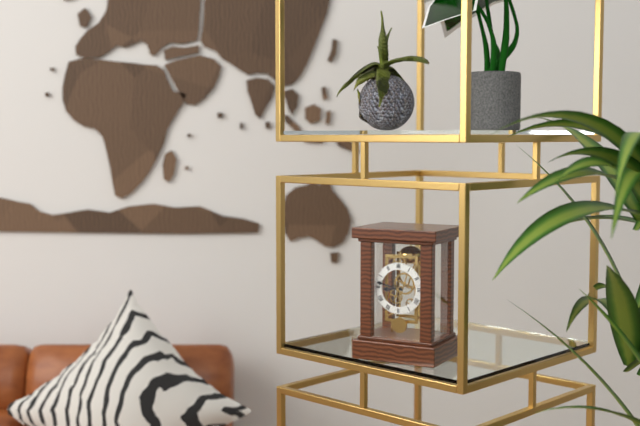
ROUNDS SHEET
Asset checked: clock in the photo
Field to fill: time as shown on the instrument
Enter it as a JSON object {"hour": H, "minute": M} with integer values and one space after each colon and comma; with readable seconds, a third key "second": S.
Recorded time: {"hour": 8, "minute": 47}
